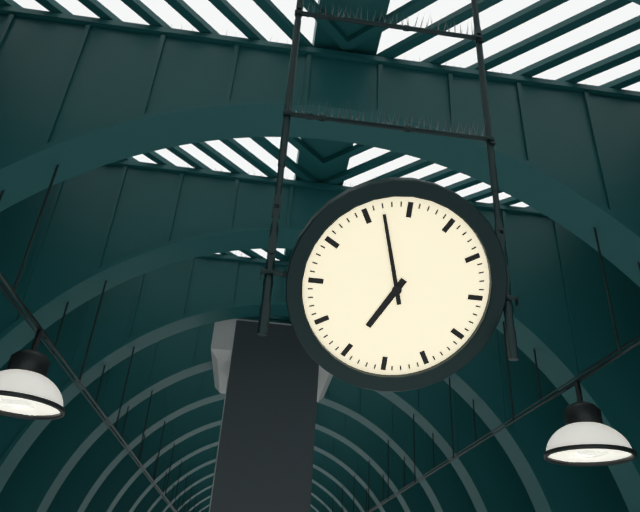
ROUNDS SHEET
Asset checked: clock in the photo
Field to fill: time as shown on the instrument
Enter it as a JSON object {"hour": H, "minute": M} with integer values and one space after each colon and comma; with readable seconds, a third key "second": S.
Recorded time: {"hour": 6, "minute": 57}
